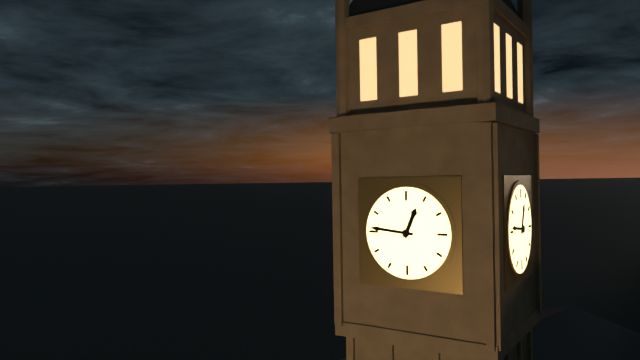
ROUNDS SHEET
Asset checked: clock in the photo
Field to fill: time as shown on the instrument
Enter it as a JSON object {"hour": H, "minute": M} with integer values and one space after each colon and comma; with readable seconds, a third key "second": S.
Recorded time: {"hour": 12, "minute": 46}
